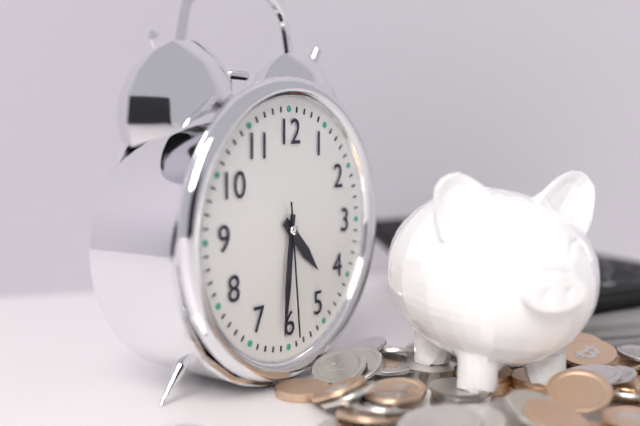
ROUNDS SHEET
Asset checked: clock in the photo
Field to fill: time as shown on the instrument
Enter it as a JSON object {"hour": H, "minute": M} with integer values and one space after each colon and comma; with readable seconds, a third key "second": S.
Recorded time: {"hour": 4, "minute": 31, "second": 29}
